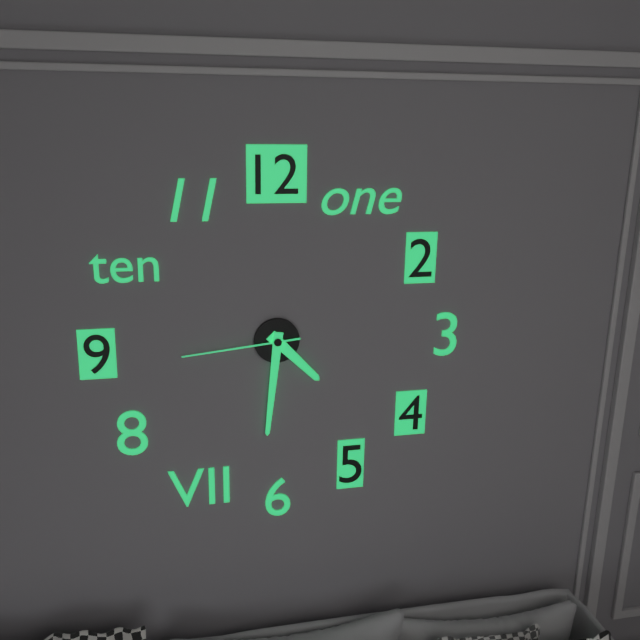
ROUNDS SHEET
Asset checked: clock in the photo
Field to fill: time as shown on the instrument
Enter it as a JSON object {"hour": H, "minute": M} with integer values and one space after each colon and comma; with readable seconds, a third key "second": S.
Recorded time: {"hour": 4, "minute": 31, "second": 44}
